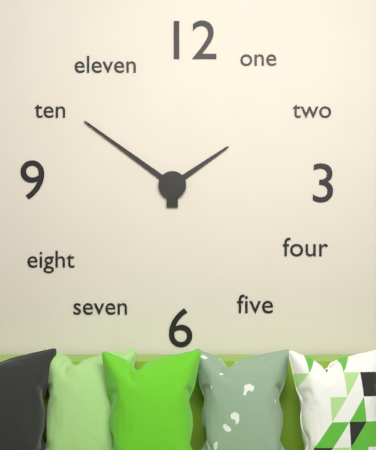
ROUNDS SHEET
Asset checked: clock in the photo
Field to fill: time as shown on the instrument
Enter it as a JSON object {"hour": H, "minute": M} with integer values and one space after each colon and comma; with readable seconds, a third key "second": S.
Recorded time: {"hour": 1, "minute": 51}
